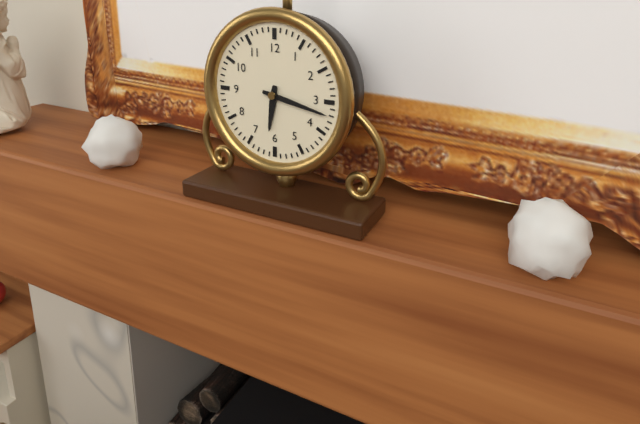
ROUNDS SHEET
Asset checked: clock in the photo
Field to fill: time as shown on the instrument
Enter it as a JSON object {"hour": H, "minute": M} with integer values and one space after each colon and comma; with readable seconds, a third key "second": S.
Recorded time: {"hour": 6, "minute": 17}
